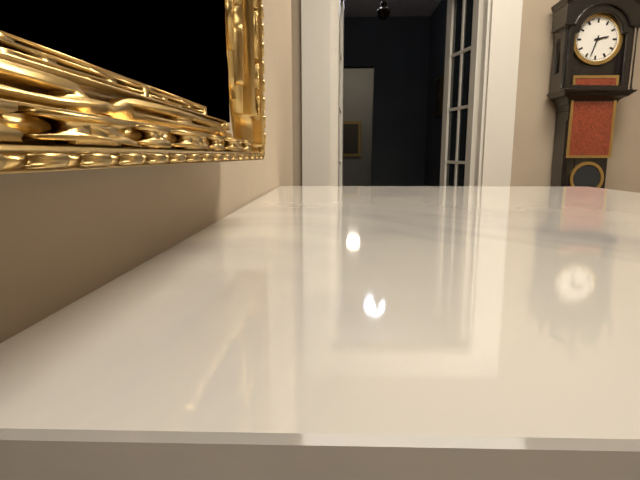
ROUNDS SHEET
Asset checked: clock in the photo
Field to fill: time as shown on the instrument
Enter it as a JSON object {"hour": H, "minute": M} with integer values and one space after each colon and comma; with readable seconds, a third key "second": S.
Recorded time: {"hour": 2, "minute": 33}
